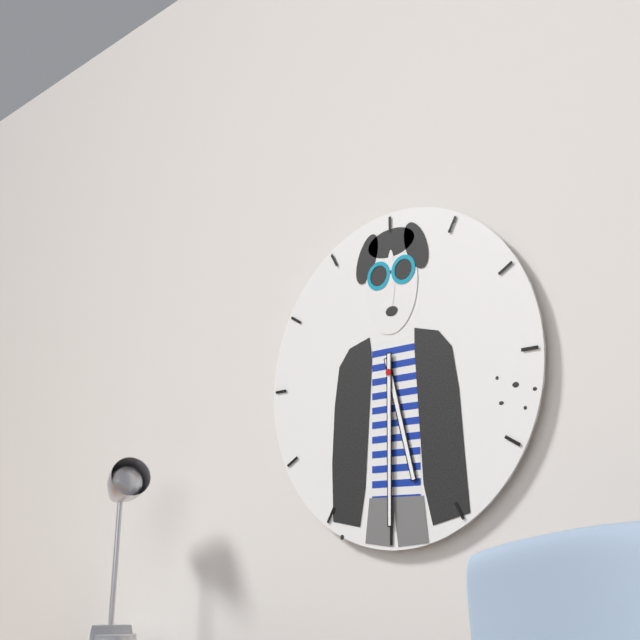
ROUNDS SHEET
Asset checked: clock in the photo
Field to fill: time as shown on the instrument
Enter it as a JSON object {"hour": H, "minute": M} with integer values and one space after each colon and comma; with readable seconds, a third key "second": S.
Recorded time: {"hour": 5, "minute": 30}
